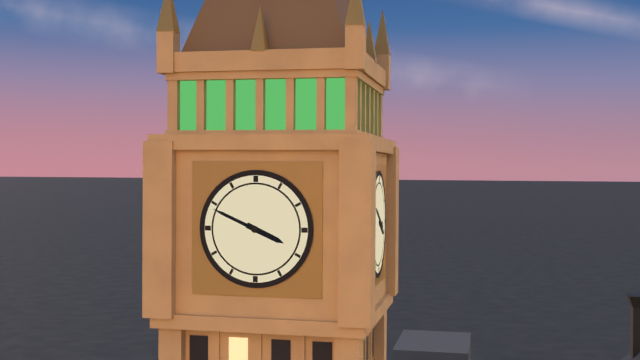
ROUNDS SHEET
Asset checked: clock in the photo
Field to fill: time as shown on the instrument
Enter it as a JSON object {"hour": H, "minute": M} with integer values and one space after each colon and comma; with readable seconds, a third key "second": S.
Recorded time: {"hour": 3, "minute": 49}
